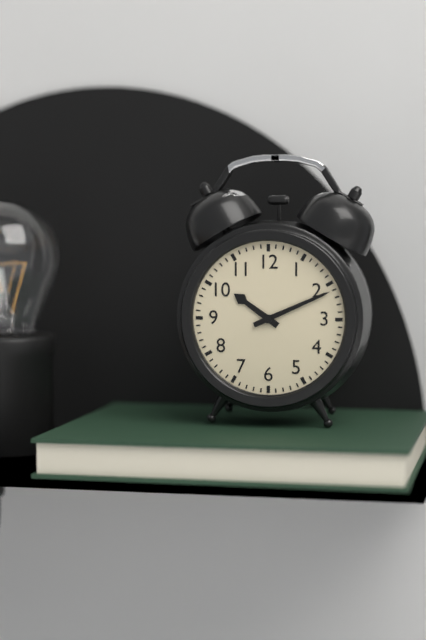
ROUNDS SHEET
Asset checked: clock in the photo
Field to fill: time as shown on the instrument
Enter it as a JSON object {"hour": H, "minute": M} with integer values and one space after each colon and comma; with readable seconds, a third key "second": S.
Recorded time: {"hour": 10, "minute": 11}
